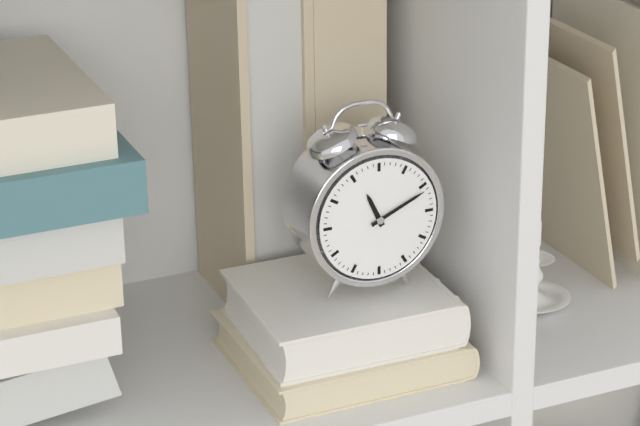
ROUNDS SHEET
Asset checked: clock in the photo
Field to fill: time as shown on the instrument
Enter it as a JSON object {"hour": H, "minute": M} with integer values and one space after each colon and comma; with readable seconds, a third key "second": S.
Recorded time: {"hour": 11, "minute": 11}
